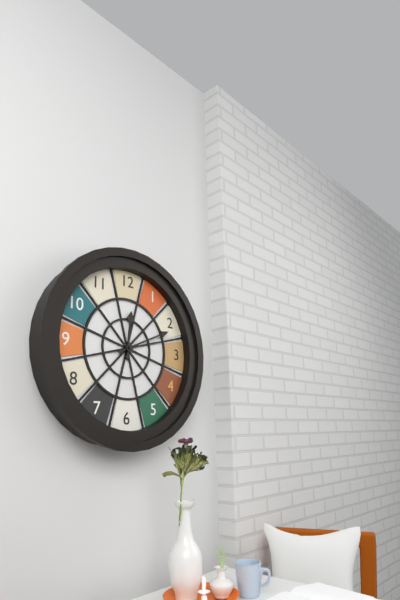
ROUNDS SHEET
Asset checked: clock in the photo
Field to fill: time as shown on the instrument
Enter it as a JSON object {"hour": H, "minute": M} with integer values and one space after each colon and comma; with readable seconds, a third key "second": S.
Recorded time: {"hour": 12, "minute": 11}
